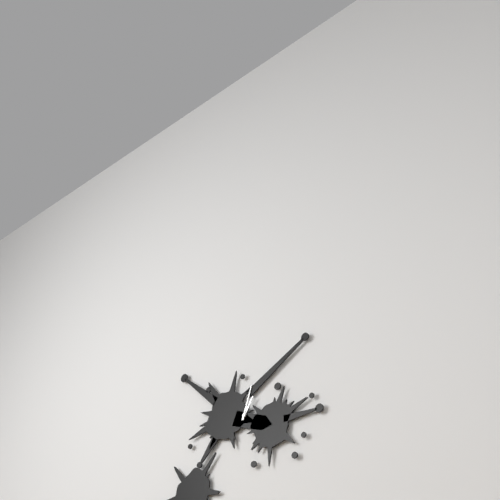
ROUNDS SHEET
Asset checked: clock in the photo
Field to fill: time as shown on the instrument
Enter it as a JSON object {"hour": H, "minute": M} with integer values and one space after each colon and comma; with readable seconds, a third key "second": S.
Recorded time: {"hour": 1, "minute": 3}
